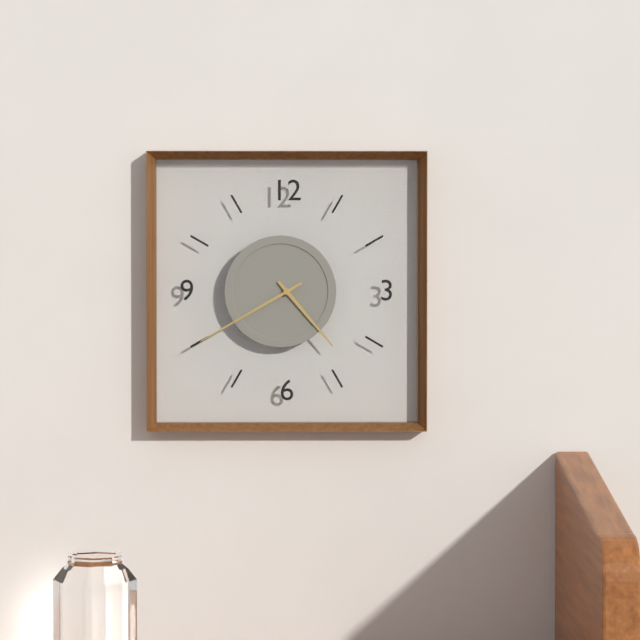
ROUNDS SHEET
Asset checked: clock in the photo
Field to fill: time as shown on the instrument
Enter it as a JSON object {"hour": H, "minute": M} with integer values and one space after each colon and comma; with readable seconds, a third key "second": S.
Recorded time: {"hour": 4, "minute": 40}
